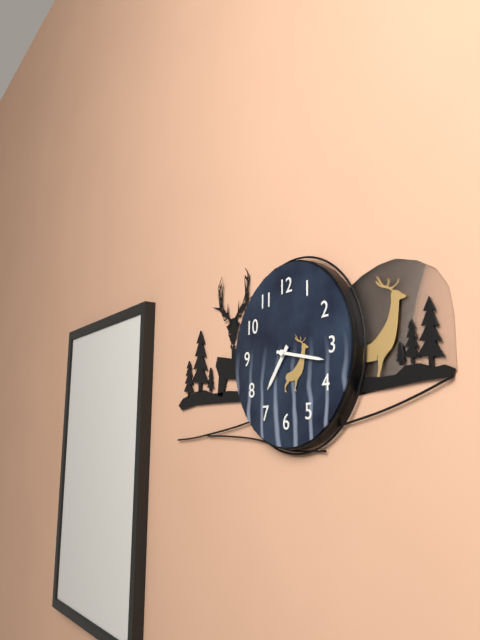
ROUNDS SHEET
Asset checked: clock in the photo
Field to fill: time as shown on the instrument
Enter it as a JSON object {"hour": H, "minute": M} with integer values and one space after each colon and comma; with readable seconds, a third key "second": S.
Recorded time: {"hour": 7, "minute": 17}
